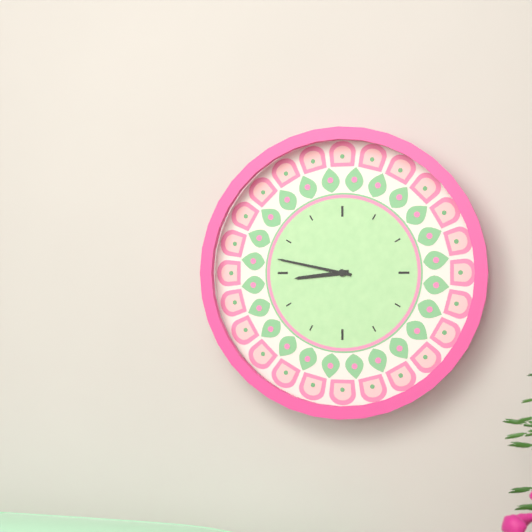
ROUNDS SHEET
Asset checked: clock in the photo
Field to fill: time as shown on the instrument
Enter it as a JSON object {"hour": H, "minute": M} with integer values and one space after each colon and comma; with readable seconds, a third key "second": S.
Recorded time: {"hour": 8, "minute": 47}
